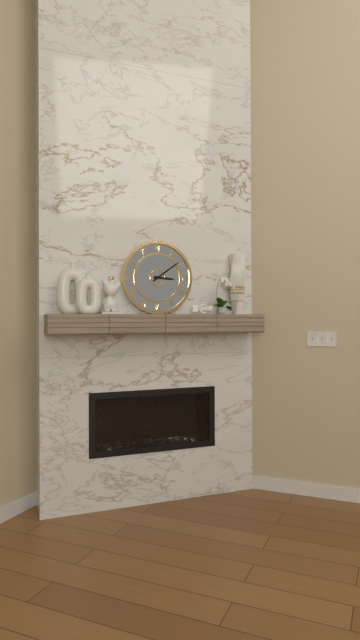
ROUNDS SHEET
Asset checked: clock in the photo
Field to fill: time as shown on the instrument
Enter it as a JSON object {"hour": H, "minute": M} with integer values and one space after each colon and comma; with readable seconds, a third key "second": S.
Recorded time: {"hour": 3, "minute": 9}
